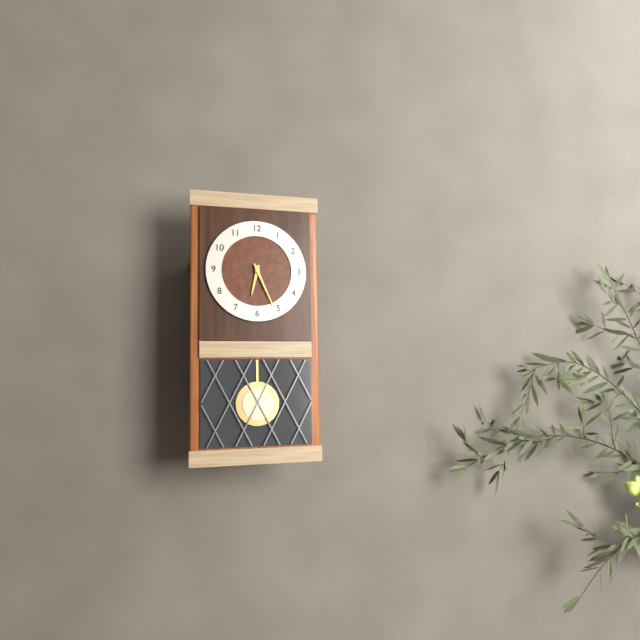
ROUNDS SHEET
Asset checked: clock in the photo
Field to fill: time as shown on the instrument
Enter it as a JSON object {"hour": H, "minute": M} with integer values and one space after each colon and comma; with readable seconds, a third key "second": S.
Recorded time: {"hour": 6, "minute": 26}
